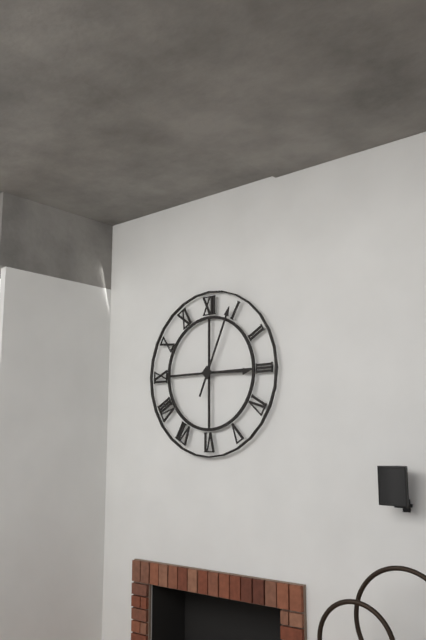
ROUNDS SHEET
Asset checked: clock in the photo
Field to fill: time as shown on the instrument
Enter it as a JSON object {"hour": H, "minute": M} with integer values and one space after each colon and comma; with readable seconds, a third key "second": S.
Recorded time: {"hour": 3, "minute": 4}
